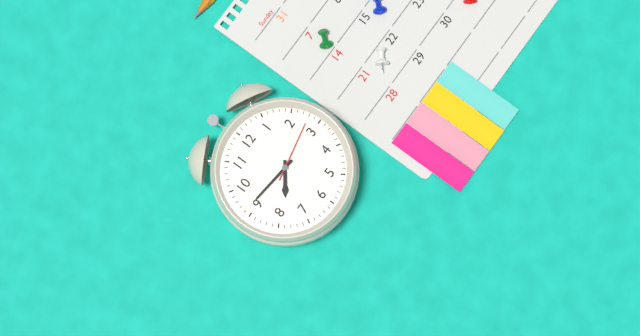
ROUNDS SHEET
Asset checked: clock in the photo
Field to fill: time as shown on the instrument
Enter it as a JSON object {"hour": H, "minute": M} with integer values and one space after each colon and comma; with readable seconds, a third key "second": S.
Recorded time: {"hour": 7, "minute": 46, "second": 13}
